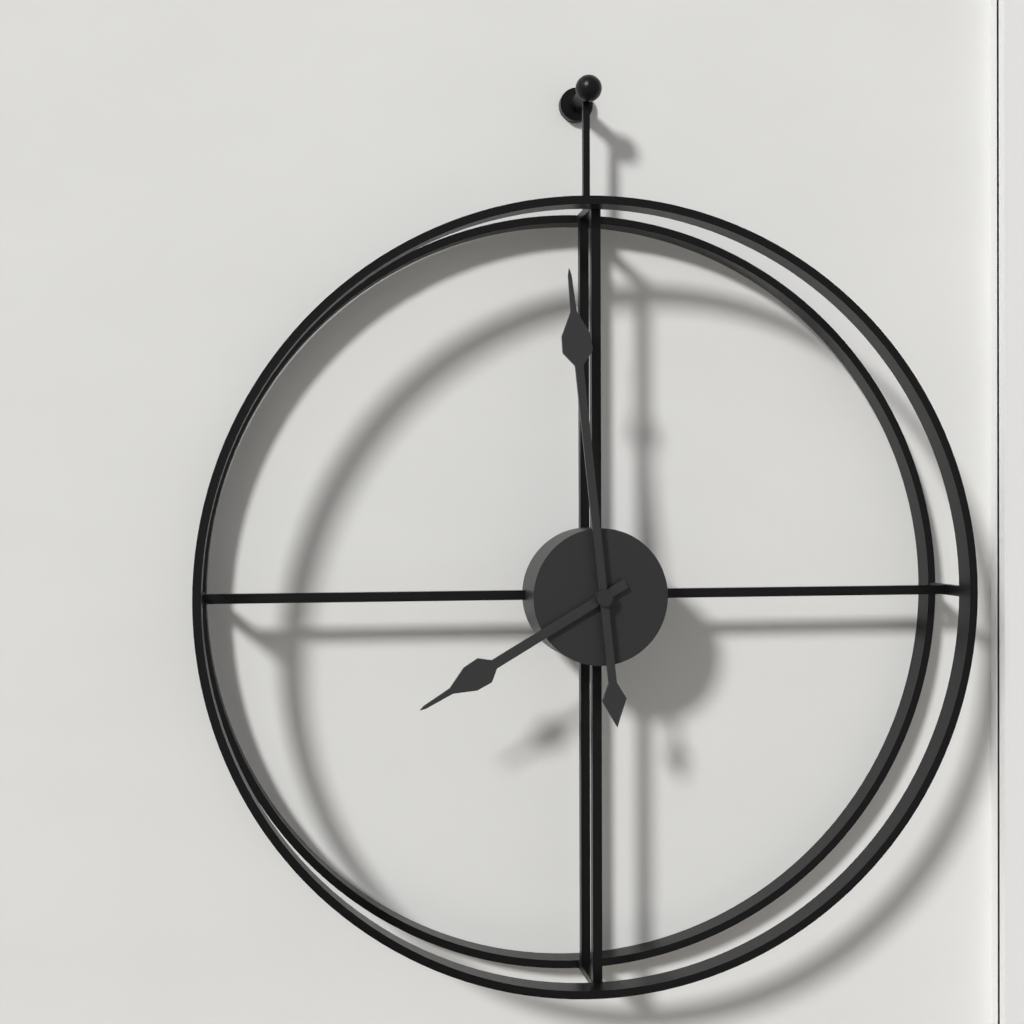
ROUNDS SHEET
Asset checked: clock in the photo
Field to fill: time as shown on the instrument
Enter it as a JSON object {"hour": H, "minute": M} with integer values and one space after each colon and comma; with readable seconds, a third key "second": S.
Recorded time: {"hour": 7, "minute": 59}
